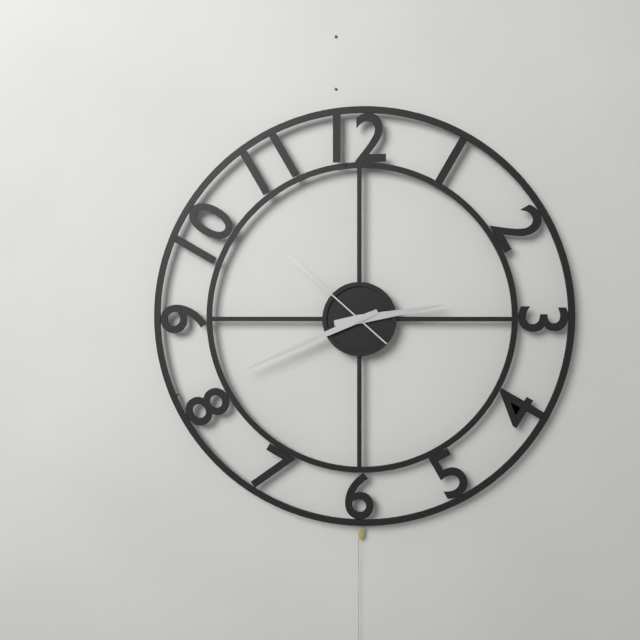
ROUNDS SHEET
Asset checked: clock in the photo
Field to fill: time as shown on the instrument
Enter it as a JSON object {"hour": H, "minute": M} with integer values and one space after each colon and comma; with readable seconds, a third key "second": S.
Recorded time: {"hour": 2, "minute": 41, "second": 52}
